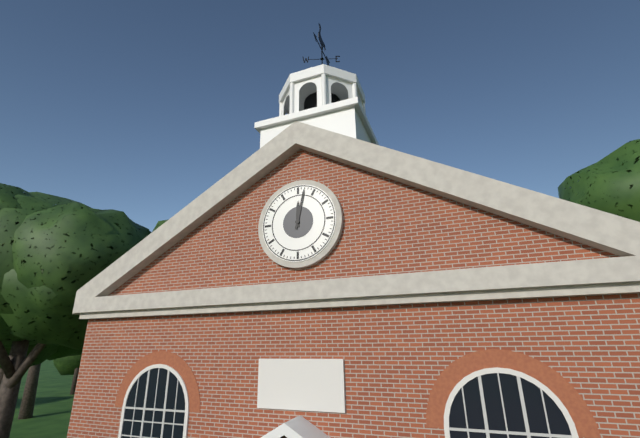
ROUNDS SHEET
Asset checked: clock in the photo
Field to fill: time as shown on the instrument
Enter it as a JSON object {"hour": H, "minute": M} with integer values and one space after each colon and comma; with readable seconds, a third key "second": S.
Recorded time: {"hour": 12, "minute": 2}
